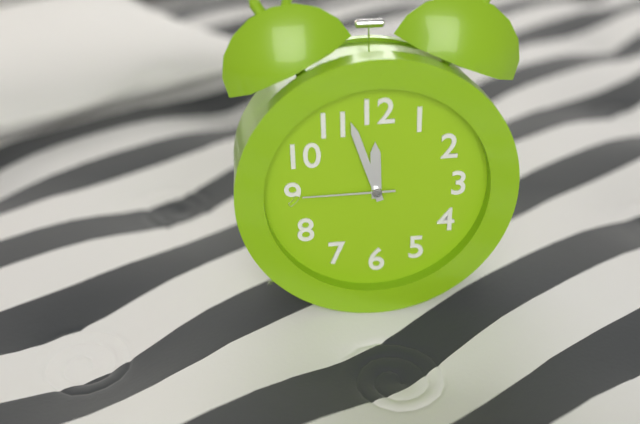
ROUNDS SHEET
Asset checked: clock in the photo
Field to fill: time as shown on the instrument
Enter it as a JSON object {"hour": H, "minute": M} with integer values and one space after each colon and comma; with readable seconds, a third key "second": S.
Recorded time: {"hour": 11, "minute": 57, "second": 45}
